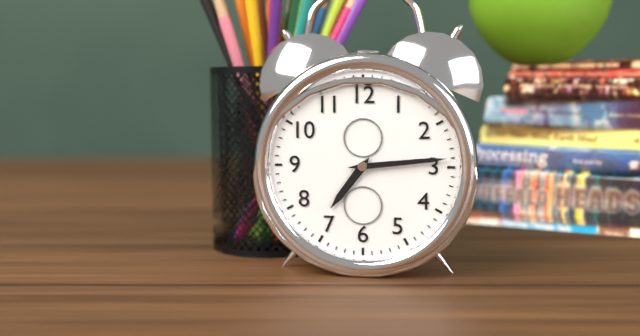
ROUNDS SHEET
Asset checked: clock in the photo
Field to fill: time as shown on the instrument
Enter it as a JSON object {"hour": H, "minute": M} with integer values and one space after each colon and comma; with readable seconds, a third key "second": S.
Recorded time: {"hour": 7, "minute": 14}
